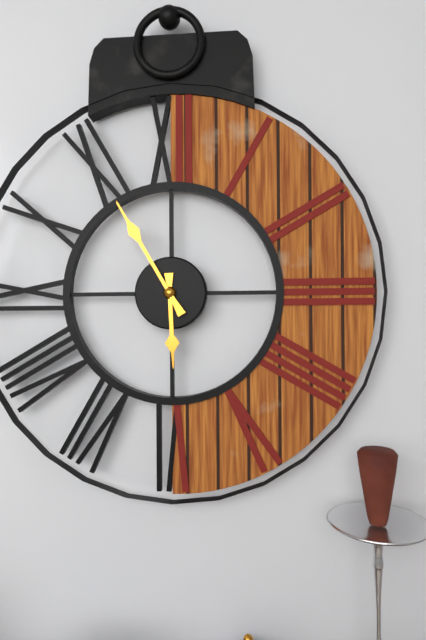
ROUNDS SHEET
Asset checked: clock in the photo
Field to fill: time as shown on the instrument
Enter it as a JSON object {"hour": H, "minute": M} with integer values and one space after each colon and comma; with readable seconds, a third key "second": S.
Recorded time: {"hour": 5, "minute": 55}
